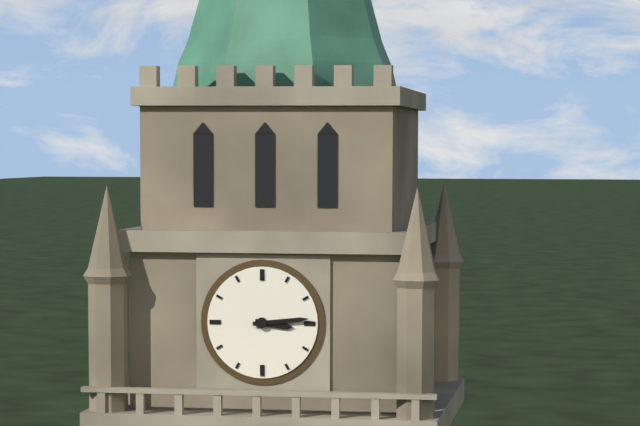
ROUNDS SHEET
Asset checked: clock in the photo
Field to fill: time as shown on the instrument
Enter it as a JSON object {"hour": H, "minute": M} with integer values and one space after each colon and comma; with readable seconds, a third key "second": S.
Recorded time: {"hour": 3, "minute": 14}
